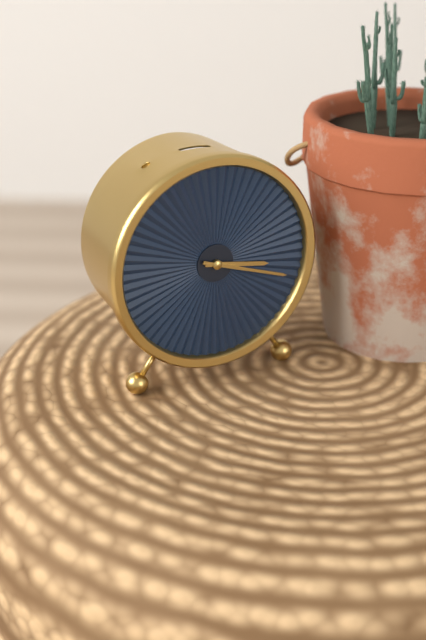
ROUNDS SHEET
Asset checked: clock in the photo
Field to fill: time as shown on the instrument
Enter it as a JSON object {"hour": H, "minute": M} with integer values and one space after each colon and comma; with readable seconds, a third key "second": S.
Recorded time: {"hour": 3, "minute": 18}
